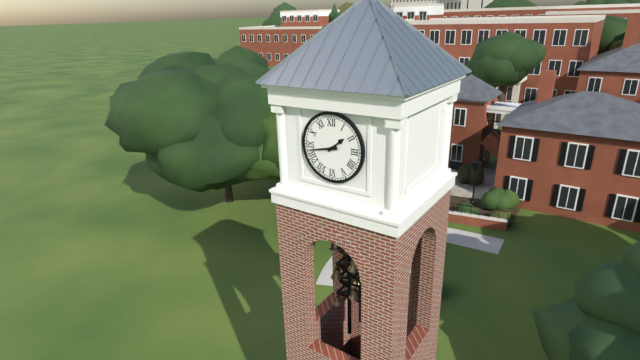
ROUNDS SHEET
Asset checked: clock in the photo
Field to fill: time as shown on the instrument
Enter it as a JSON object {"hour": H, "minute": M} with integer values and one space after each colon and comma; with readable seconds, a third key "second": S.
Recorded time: {"hour": 1, "minute": 43}
